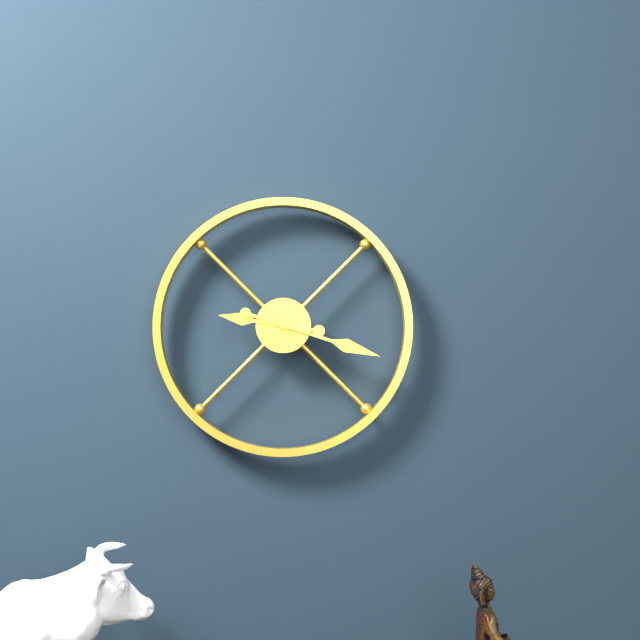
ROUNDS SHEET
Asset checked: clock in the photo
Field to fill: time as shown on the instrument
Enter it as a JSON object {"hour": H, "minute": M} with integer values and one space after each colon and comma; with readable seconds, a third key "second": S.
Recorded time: {"hour": 9, "minute": 18}
